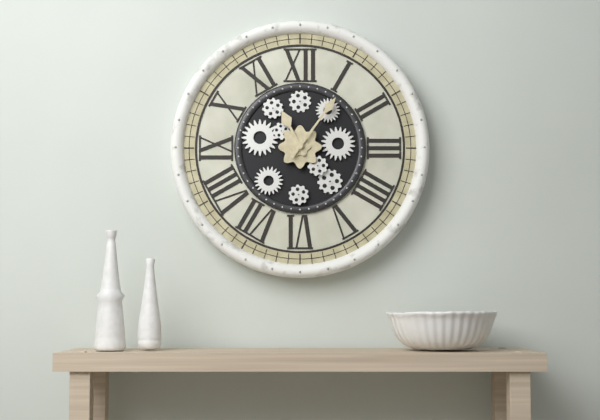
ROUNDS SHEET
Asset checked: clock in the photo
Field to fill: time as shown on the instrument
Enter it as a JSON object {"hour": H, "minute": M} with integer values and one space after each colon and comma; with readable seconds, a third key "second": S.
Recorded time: {"hour": 11, "minute": 6}
